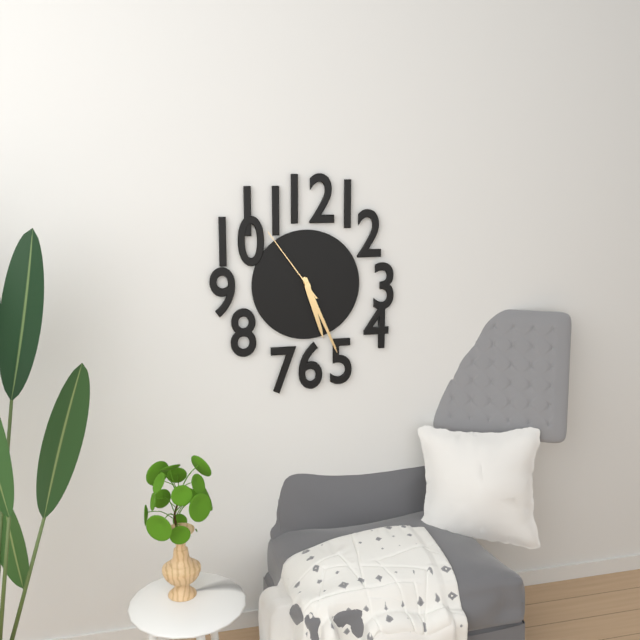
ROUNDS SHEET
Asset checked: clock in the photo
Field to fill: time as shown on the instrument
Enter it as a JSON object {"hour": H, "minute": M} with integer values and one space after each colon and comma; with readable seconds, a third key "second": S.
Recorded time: {"hour": 5, "minute": 26, "second": 54}
